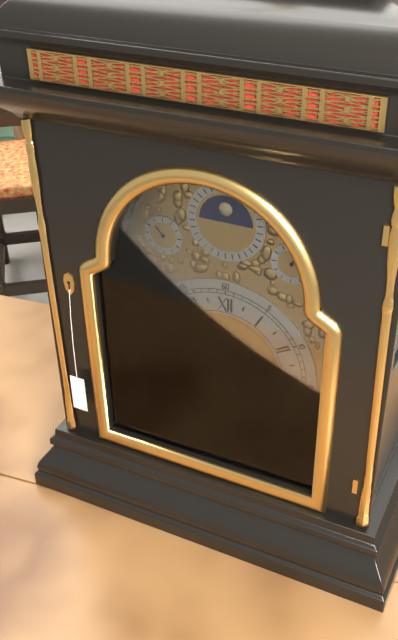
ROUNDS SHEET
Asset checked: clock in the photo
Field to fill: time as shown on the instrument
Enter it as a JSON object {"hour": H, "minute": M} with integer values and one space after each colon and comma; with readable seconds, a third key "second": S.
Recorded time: {"hour": 8, "minute": 19}
